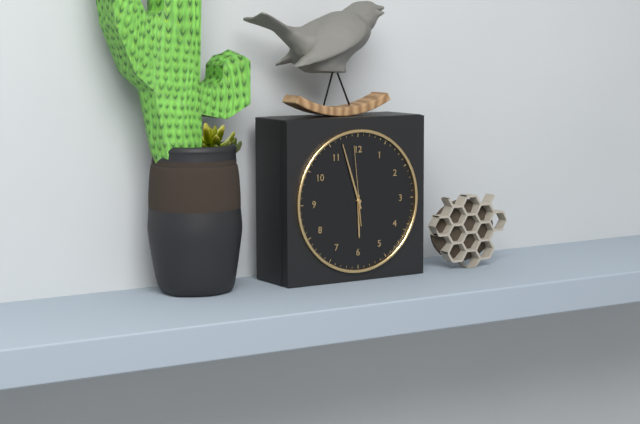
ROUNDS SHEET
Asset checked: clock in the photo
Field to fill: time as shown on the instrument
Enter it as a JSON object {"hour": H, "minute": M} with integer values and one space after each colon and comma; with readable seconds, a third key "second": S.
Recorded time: {"hour": 5, "minute": 57, "second": 59}
